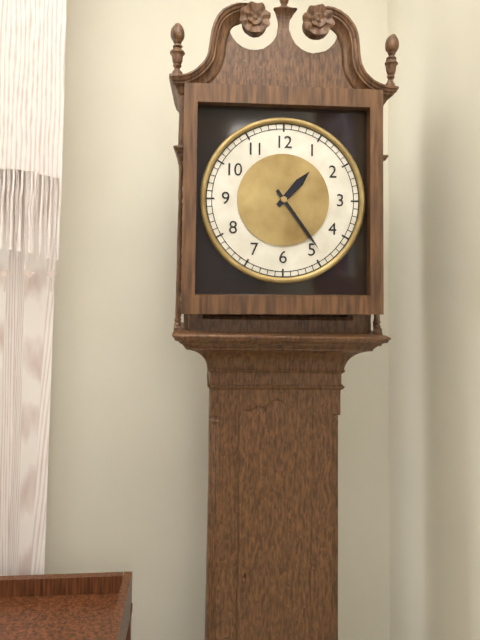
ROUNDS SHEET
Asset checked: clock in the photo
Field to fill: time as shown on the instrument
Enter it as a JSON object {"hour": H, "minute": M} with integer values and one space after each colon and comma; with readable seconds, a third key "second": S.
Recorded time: {"hour": 1, "minute": 24}
